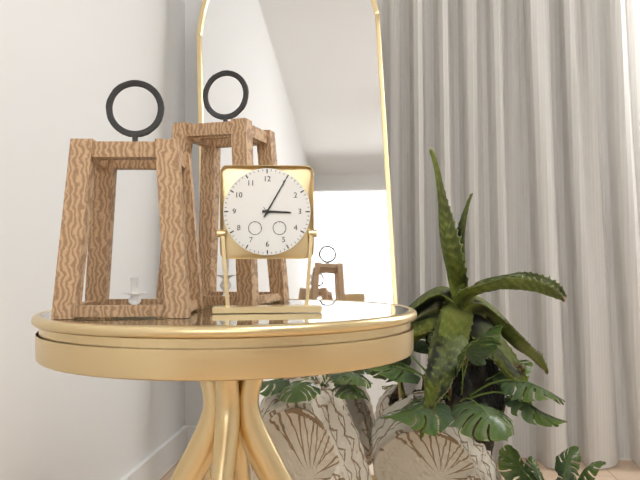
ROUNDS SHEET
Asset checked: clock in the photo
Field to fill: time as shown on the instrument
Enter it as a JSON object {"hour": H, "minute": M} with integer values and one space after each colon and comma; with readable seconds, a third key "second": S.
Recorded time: {"hour": 3, "minute": 5}
